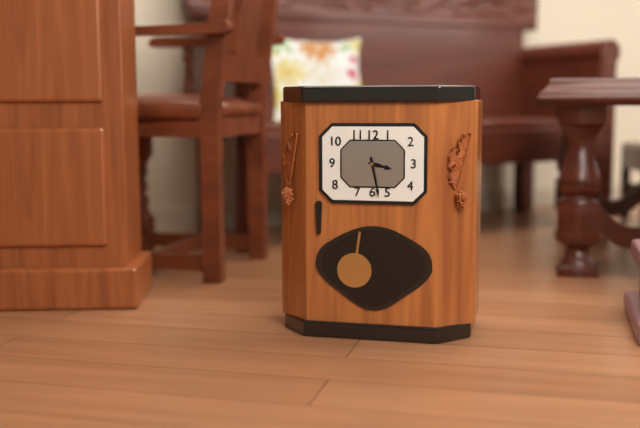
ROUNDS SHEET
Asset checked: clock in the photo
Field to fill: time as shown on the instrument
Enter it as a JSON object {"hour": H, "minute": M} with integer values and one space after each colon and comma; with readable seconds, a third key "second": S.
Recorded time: {"hour": 3, "minute": 28}
